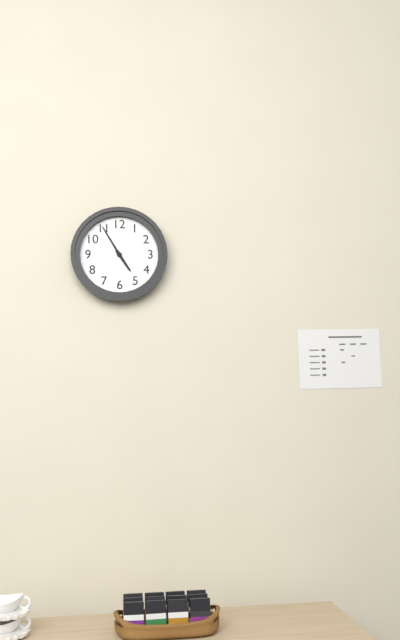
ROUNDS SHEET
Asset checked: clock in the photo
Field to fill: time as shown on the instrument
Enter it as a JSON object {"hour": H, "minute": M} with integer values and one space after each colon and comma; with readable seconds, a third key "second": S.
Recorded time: {"hour": 4, "minute": 55}
